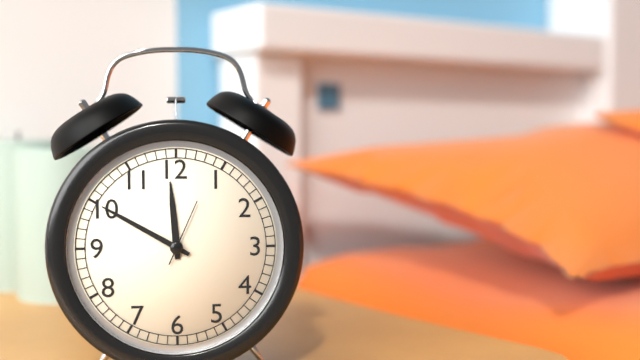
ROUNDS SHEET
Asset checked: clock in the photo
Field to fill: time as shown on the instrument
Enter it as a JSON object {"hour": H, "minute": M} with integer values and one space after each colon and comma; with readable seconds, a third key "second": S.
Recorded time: {"hour": 11, "minute": 50, "second": 4}
